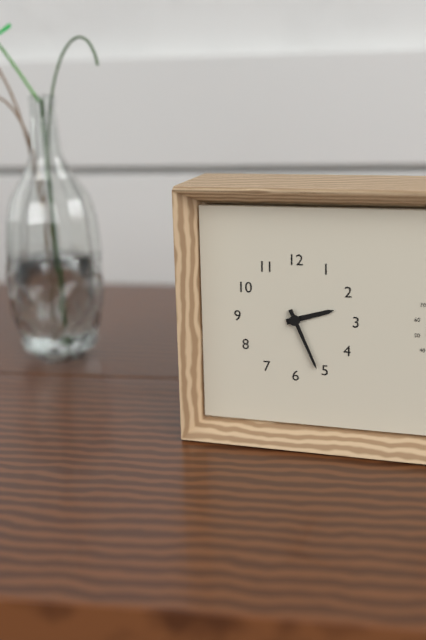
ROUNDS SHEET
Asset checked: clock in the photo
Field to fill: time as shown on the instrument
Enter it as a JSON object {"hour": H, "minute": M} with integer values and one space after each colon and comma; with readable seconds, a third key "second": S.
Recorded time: {"hour": 2, "minute": 26}
